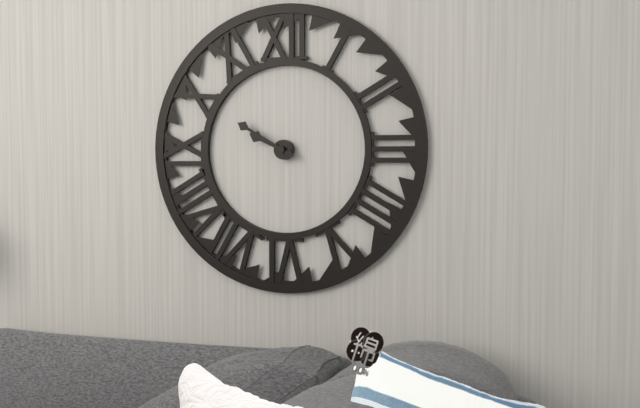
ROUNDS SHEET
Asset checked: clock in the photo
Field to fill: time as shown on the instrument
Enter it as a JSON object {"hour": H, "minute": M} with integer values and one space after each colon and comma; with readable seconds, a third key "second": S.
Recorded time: {"hour": 9, "minute": 50}
